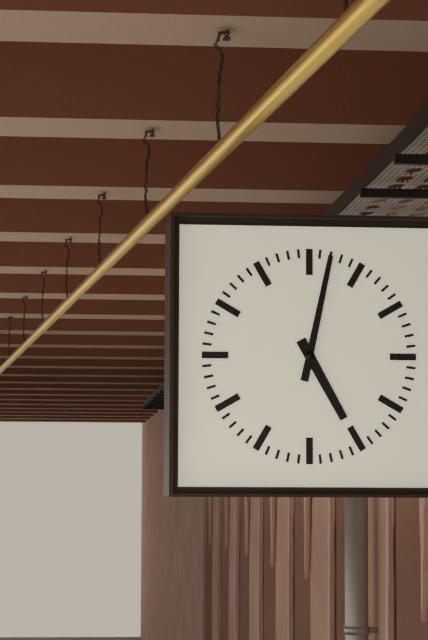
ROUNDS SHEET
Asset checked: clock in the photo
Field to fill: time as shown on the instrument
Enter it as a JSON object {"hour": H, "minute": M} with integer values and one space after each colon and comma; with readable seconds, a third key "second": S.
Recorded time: {"hour": 5, "minute": 2}
